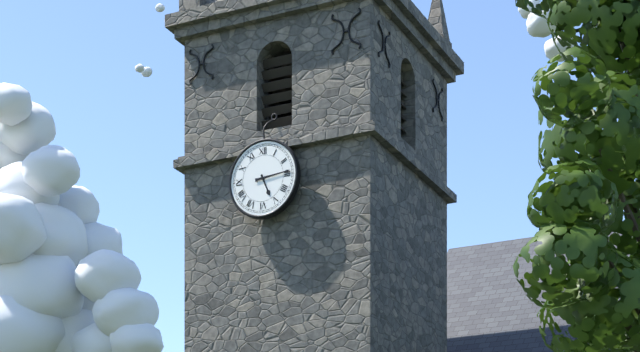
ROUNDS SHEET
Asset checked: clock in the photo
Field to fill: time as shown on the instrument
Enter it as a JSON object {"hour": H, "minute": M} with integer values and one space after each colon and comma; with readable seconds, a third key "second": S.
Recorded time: {"hour": 5, "minute": 14}
